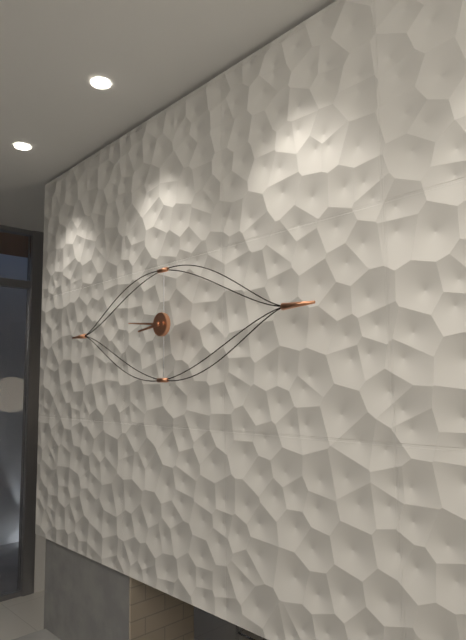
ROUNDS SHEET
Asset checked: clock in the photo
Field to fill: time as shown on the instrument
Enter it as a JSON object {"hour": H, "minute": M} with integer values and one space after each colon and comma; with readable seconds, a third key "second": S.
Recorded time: {"hour": 8, "minute": 46}
